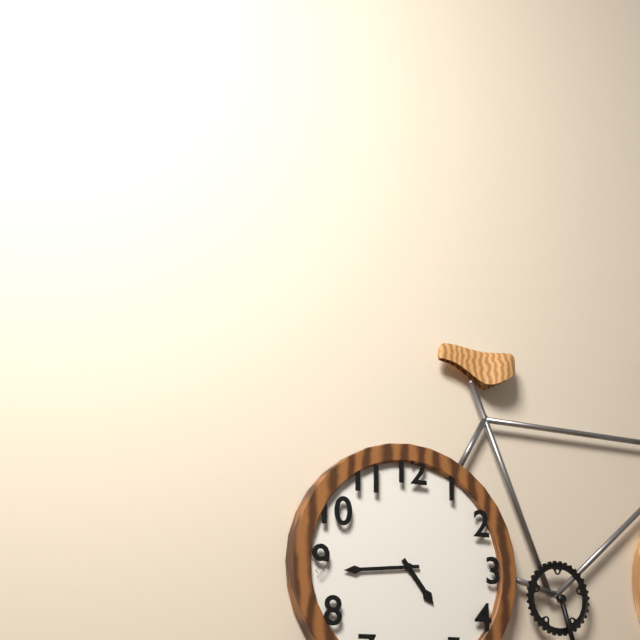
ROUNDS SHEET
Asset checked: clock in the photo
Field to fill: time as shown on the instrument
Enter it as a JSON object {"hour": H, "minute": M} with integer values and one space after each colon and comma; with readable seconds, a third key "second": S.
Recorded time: {"hour": 4, "minute": 44}
